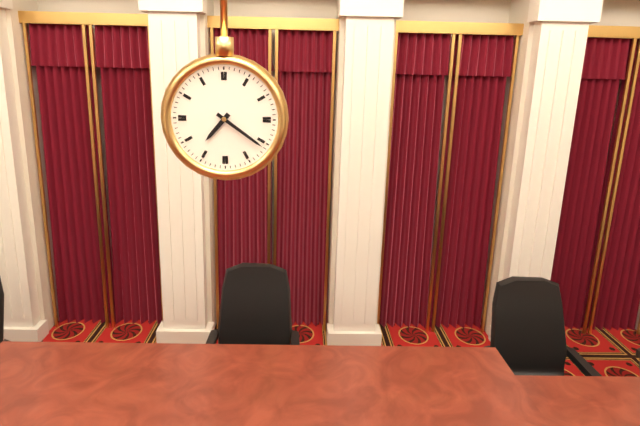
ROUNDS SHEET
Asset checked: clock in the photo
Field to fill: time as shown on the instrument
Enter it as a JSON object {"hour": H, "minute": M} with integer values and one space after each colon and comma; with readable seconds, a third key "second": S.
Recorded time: {"hour": 7, "minute": 21}
